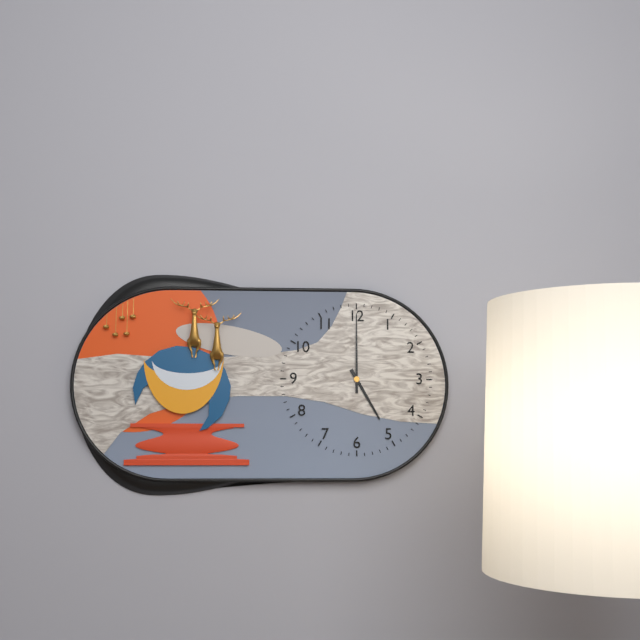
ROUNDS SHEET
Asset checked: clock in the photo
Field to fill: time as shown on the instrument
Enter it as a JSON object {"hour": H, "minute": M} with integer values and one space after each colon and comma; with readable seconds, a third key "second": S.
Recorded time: {"hour": 5, "minute": 0}
